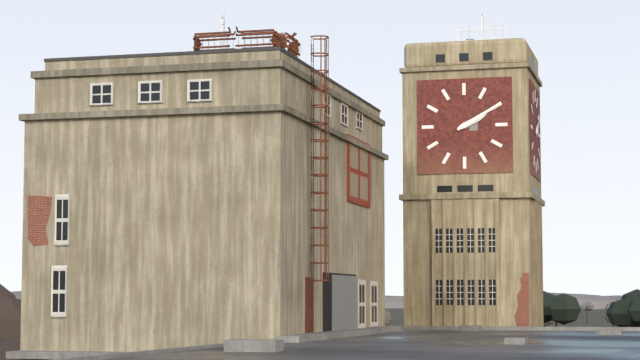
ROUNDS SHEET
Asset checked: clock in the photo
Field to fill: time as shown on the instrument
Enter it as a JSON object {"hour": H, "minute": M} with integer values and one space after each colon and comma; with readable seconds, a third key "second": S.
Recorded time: {"hour": 2, "minute": 10}
